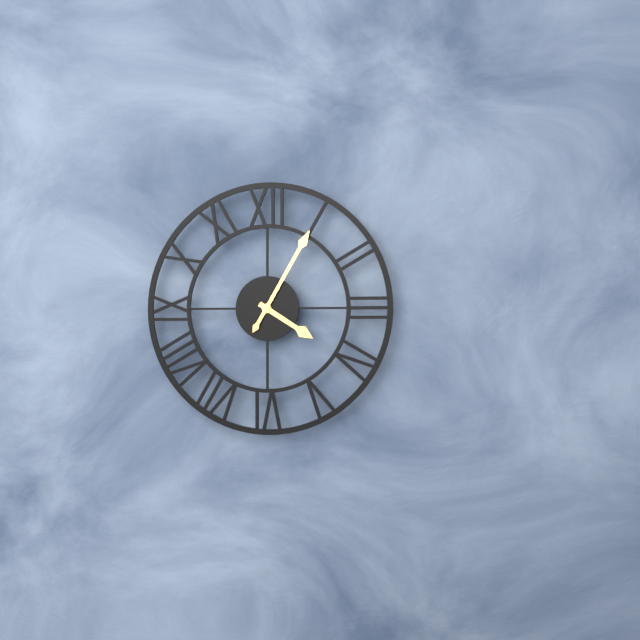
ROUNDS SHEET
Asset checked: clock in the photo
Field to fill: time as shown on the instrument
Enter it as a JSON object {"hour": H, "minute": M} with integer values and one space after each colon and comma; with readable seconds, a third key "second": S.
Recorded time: {"hour": 4, "minute": 5}
